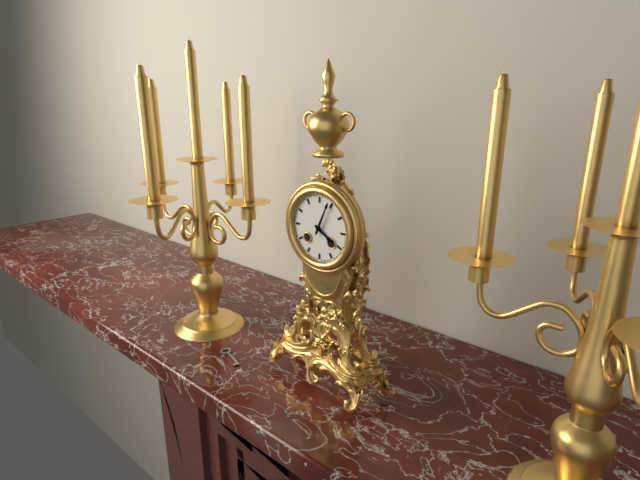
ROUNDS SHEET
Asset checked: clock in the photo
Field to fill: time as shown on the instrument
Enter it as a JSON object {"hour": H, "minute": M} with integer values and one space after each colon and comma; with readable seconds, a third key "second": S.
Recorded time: {"hour": 4, "minute": 4}
